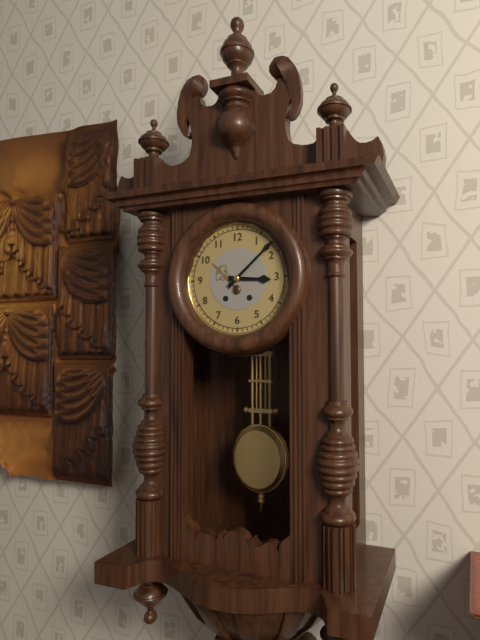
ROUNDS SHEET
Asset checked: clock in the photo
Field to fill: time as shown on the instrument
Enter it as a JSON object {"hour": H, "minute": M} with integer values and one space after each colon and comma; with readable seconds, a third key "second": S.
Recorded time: {"hour": 3, "minute": 8}
